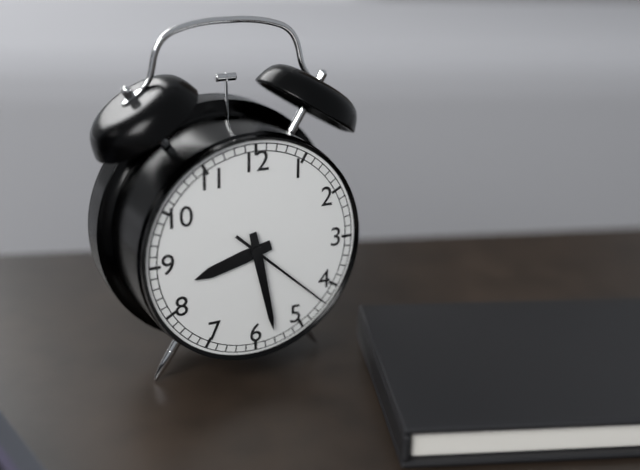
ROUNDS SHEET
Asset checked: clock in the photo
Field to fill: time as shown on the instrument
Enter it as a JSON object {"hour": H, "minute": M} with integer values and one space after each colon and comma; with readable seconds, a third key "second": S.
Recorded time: {"hour": 8, "minute": 28, "second": 22}
